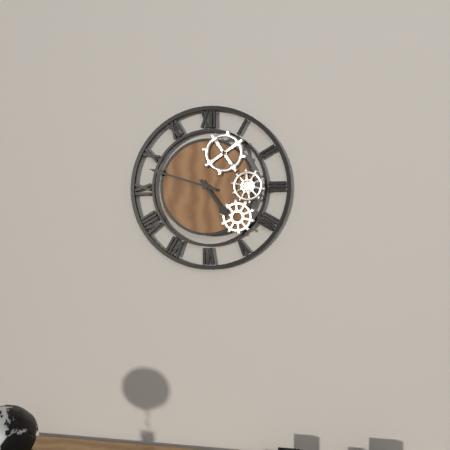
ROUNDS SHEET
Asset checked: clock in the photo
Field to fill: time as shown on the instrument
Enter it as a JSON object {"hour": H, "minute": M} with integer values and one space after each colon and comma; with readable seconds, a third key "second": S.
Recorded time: {"hour": 4, "minute": 48}
